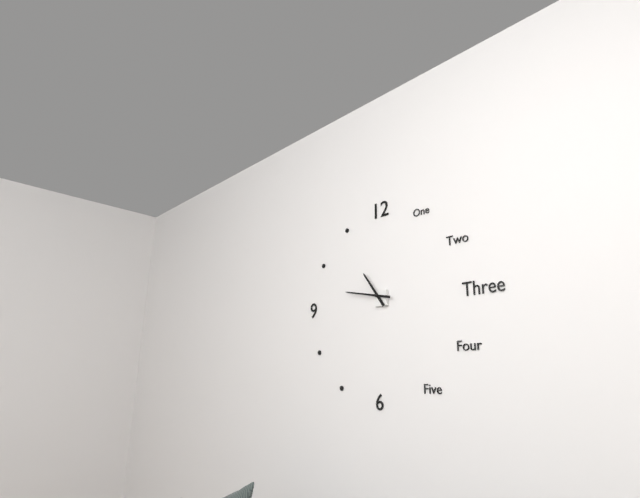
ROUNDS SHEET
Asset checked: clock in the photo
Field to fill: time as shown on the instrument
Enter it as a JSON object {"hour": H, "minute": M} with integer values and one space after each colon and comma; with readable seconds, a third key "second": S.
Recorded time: {"hour": 10, "minute": 47}
